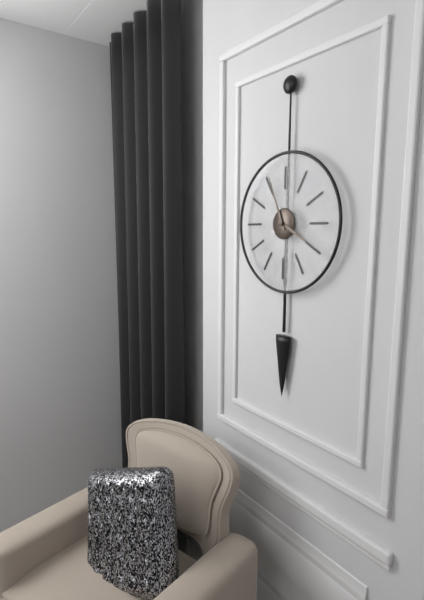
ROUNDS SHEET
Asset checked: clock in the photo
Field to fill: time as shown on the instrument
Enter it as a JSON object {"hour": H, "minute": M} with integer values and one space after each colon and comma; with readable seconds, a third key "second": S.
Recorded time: {"hour": 3, "minute": 56}
